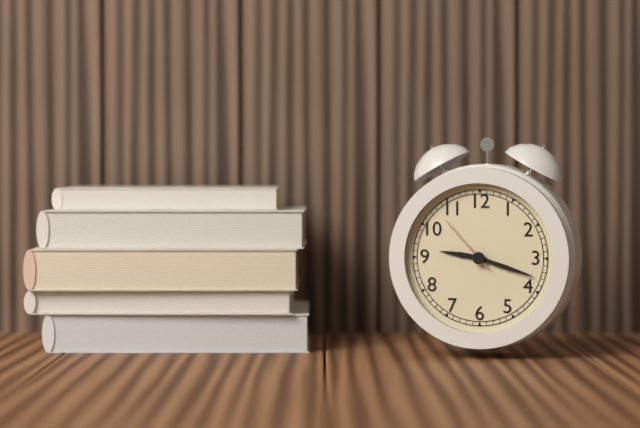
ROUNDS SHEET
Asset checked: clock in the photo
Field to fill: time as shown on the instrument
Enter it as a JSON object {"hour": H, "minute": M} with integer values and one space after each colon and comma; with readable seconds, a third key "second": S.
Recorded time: {"hour": 9, "minute": 18, "second": 53}
